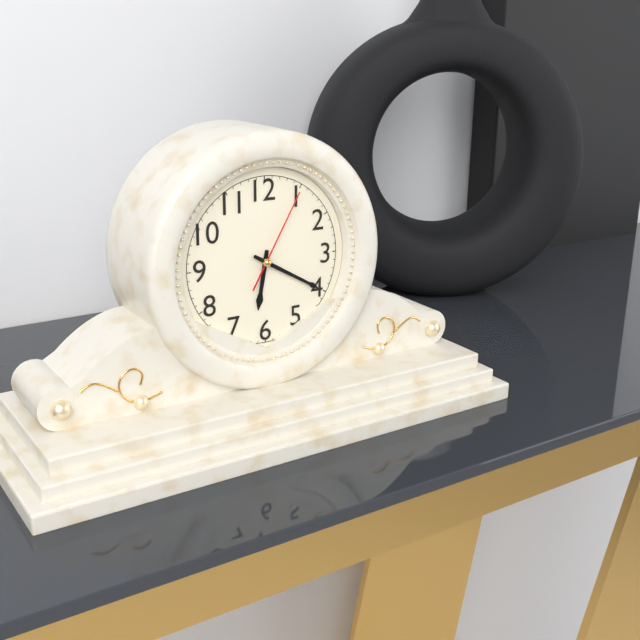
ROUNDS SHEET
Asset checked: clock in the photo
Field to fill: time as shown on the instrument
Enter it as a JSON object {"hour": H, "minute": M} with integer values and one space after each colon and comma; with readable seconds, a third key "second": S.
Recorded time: {"hour": 6, "minute": 20, "second": 5}
